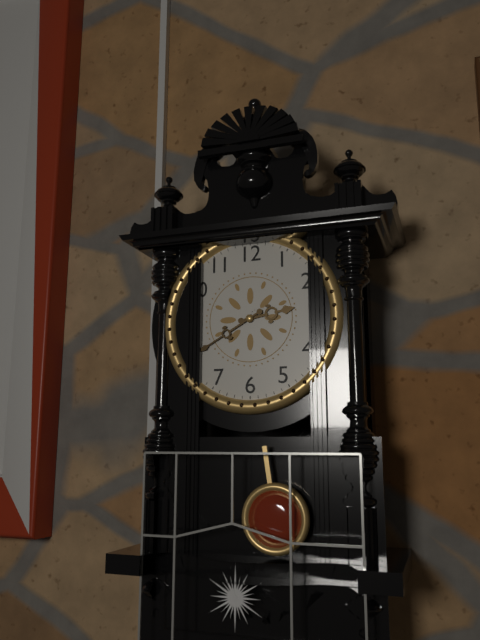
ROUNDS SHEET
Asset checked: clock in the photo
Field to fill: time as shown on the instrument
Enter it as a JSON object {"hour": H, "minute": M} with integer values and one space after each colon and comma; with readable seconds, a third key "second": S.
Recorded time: {"hour": 2, "minute": 40}
